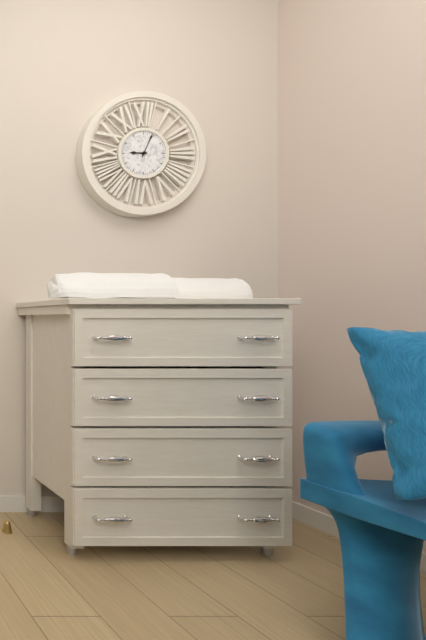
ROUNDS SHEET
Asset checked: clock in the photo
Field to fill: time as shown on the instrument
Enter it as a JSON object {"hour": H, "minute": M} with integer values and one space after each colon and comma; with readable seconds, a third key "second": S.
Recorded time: {"hour": 9, "minute": 4}
